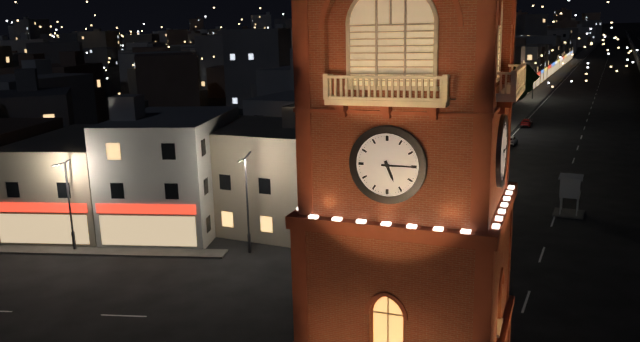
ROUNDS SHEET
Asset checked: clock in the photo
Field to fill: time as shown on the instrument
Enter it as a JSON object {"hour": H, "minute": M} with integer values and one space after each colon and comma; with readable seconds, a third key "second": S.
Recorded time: {"hour": 5, "minute": 15}
